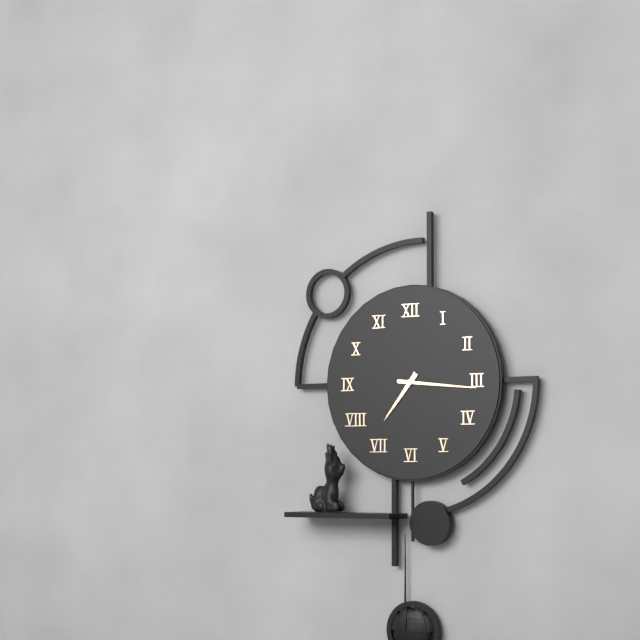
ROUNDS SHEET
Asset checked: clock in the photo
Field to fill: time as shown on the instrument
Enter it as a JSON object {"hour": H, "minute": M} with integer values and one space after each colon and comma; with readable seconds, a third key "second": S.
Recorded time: {"hour": 7, "minute": 16}
